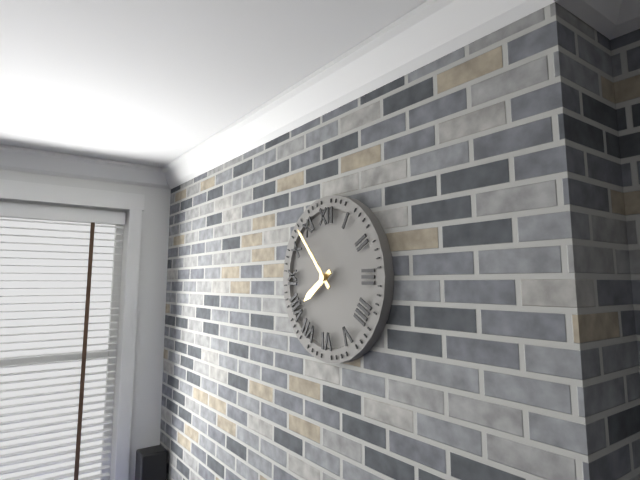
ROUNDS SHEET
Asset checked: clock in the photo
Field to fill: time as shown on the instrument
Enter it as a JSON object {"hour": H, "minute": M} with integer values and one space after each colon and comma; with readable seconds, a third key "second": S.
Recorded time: {"hour": 7, "minute": 53}
